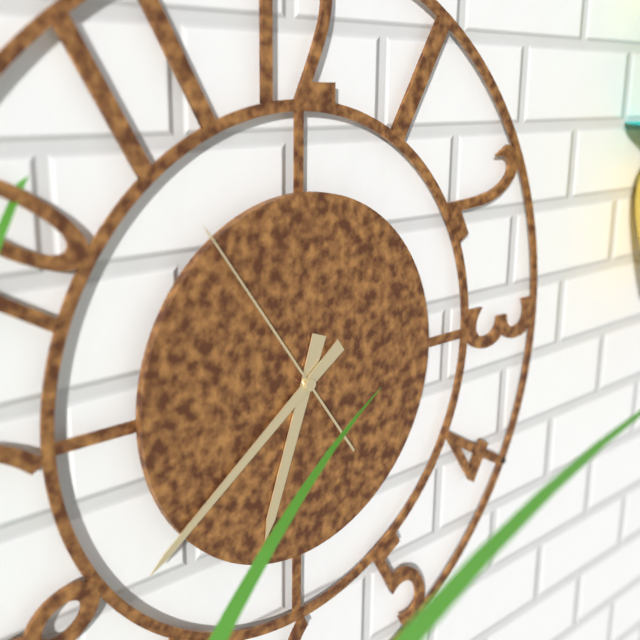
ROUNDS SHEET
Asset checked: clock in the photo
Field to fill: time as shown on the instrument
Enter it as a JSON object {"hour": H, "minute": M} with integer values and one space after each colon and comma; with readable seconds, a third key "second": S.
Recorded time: {"hour": 6, "minute": 39, "second": 54}
